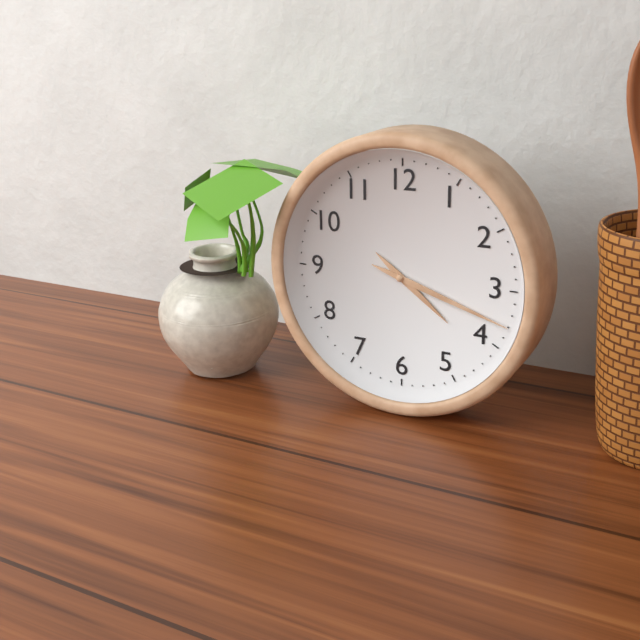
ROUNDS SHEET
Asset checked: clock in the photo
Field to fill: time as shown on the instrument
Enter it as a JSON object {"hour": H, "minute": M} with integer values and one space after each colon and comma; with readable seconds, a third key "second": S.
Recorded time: {"hour": 4, "minute": 18}
